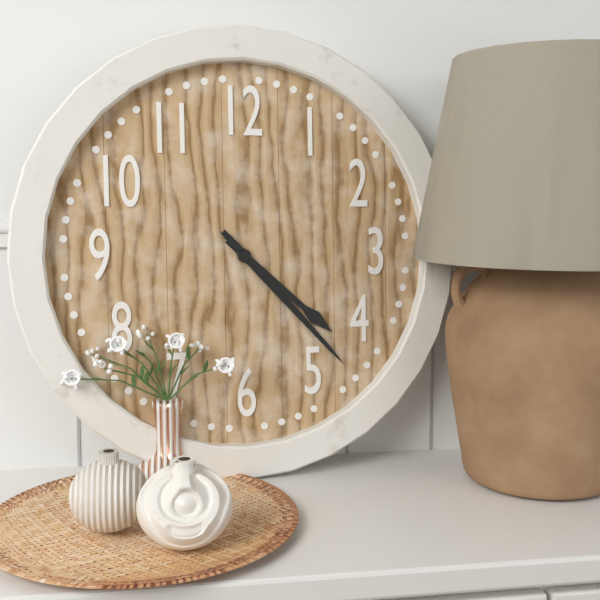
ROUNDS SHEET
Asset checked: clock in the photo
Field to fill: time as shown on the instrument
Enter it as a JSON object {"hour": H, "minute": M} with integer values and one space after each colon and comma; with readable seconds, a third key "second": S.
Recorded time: {"hour": 4, "minute": 23}
